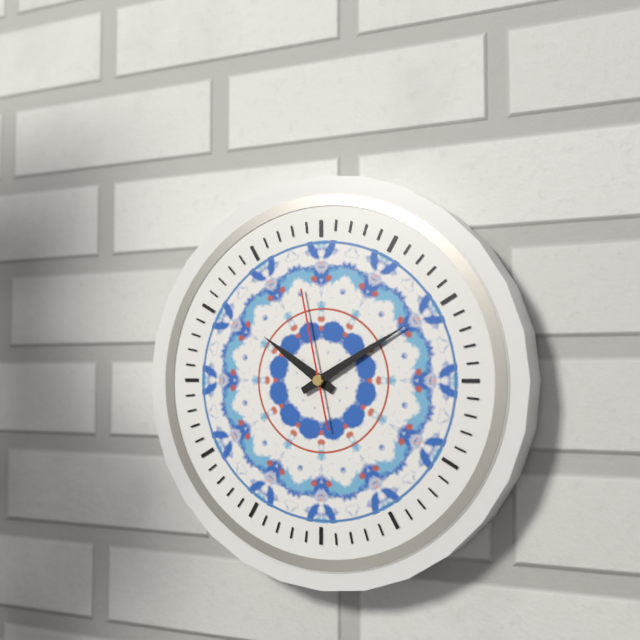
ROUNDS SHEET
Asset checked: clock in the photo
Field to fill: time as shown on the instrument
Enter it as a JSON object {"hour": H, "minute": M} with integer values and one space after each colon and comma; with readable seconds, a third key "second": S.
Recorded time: {"hour": 10, "minute": 10, "second": 58}
